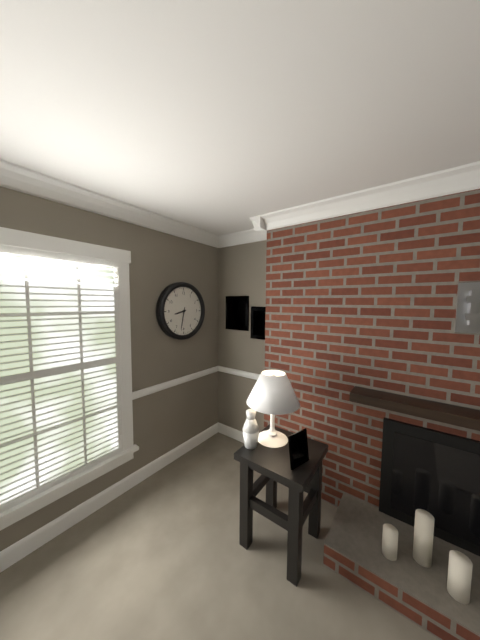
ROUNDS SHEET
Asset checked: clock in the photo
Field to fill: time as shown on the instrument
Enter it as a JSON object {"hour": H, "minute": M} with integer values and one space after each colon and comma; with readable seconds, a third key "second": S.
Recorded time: {"hour": 8, "minute": 32}
